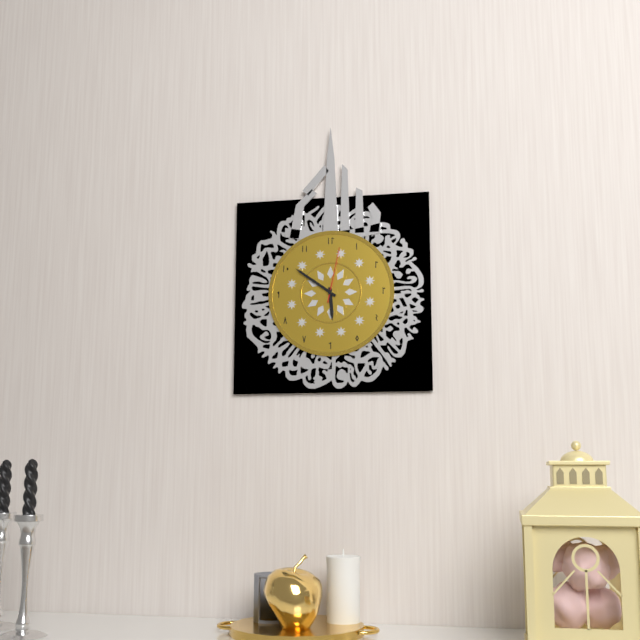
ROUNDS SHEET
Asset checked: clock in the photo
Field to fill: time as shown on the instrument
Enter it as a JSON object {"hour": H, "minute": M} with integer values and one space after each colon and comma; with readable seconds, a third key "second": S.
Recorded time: {"hour": 5, "minute": 51, "second": 2}
